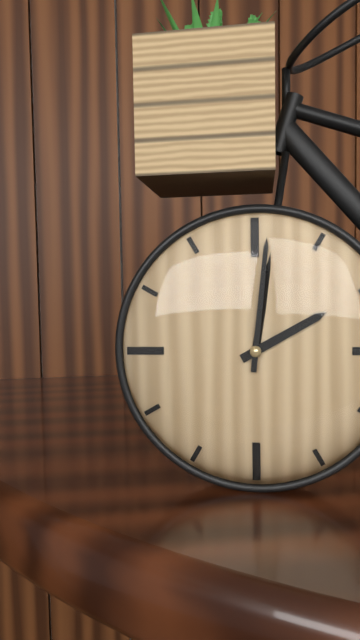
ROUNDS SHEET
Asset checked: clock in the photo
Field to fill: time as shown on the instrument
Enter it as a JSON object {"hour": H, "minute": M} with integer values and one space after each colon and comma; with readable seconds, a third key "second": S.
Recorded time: {"hour": 2, "minute": 1}
